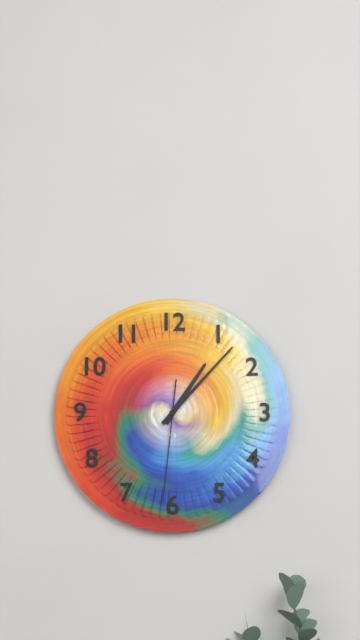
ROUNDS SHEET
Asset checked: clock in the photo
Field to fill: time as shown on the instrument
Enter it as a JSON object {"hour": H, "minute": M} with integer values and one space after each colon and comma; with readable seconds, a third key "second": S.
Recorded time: {"hour": 1, "minute": 7, "second": 31}
